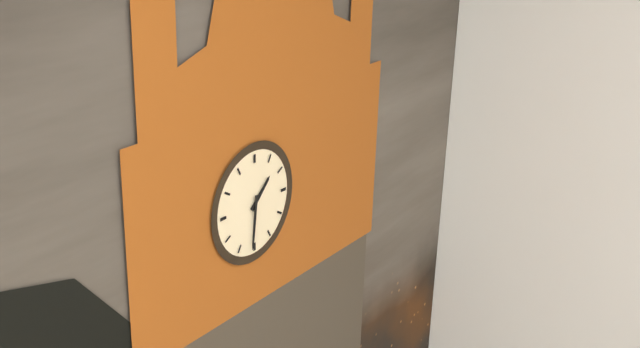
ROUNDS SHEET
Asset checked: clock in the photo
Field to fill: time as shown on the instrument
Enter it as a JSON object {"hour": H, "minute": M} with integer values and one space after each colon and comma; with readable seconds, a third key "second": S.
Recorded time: {"hour": 1, "minute": 31}
